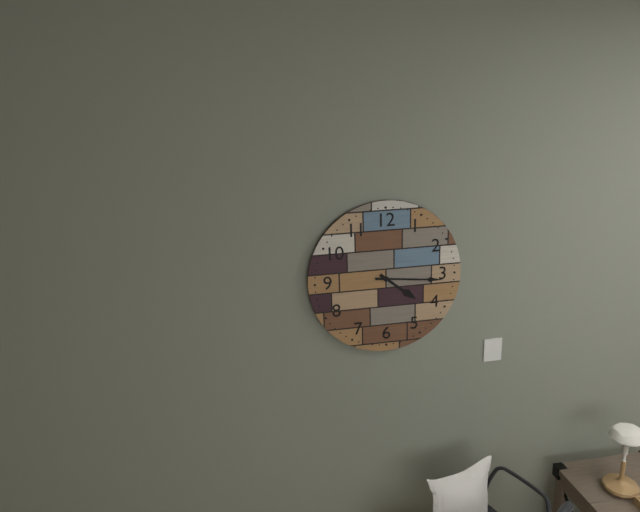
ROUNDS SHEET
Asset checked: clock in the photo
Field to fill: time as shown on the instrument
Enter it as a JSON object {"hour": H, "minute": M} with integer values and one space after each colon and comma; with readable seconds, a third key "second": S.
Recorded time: {"hour": 4, "minute": 16}
